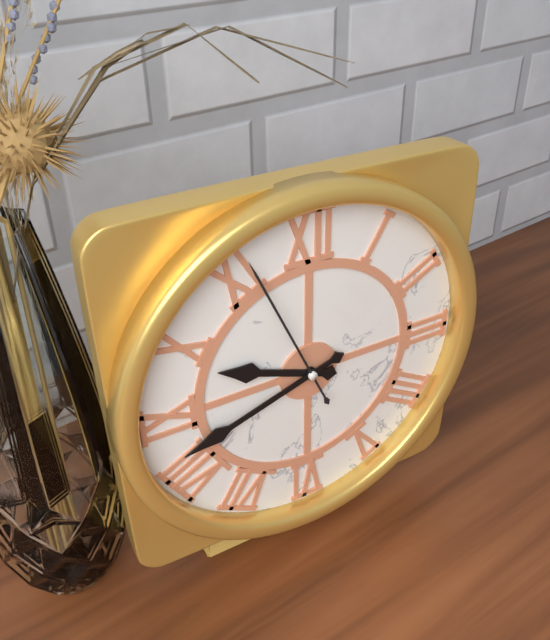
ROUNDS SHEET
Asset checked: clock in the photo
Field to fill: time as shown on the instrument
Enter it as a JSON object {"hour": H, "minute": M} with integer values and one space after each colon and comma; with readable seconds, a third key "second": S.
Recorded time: {"hour": 9, "minute": 42, "second": 56}
